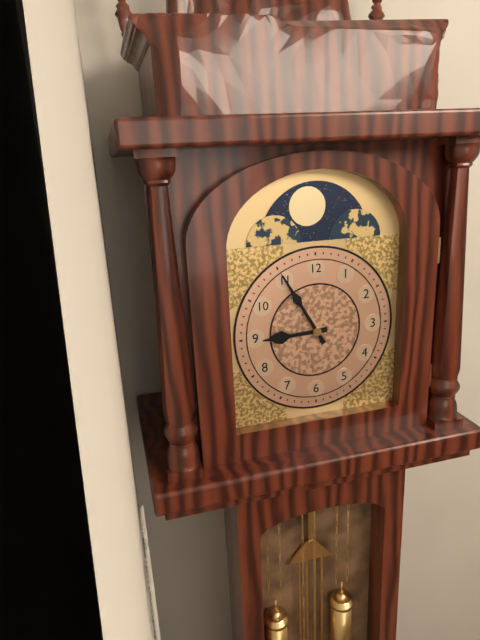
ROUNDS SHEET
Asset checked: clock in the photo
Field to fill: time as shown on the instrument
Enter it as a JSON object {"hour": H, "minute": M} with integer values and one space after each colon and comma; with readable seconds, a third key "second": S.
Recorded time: {"hour": 8, "minute": 55}
